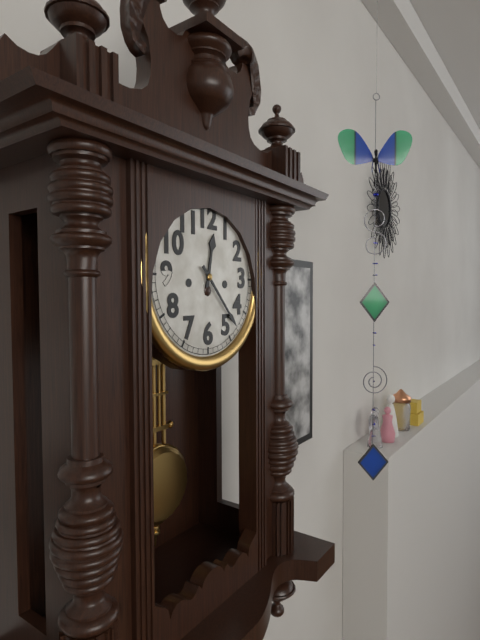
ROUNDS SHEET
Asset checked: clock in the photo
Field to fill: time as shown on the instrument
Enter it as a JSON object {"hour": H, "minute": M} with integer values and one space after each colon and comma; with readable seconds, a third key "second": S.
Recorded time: {"hour": 12, "minute": 23}
